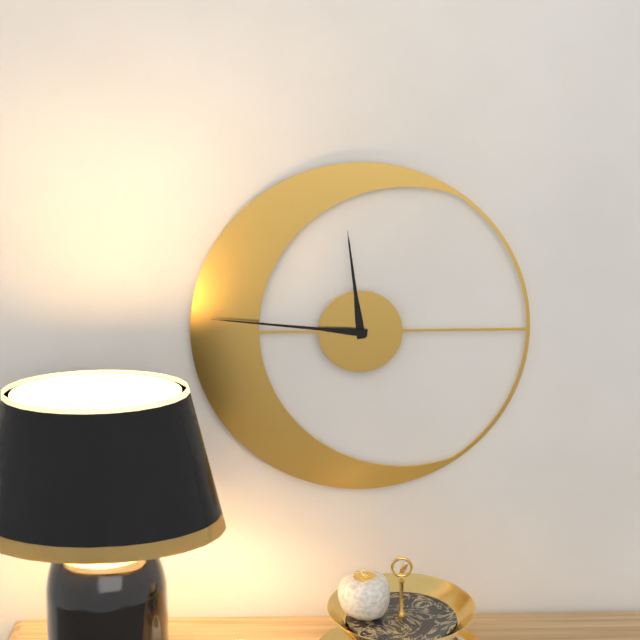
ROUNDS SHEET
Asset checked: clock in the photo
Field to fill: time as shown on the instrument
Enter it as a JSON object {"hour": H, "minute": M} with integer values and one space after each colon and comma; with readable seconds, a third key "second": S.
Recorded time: {"hour": 11, "minute": 46}
